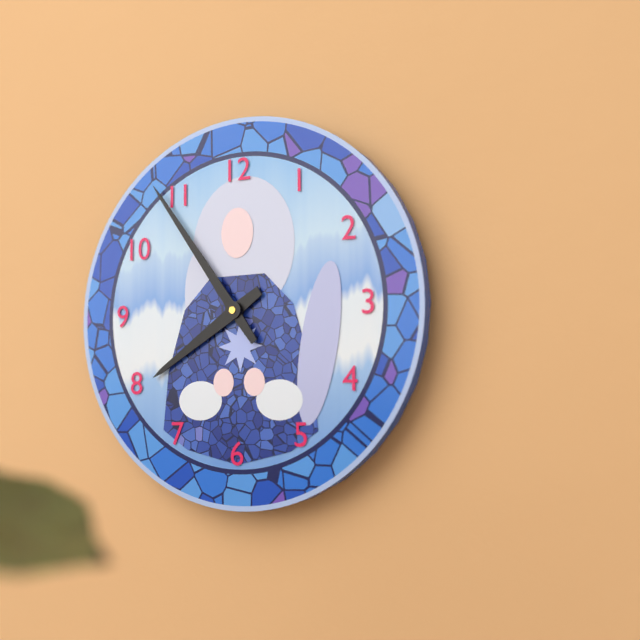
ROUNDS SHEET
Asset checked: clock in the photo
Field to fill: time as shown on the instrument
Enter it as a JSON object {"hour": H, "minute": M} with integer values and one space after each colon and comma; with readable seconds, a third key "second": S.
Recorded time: {"hour": 7, "minute": 54}
